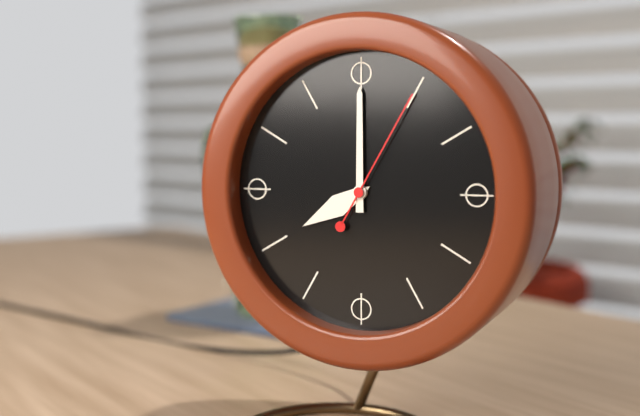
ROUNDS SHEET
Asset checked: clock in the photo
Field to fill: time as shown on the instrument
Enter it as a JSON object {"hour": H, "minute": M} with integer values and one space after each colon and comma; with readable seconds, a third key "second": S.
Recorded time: {"hour": 8, "minute": 0, "second": 5}
